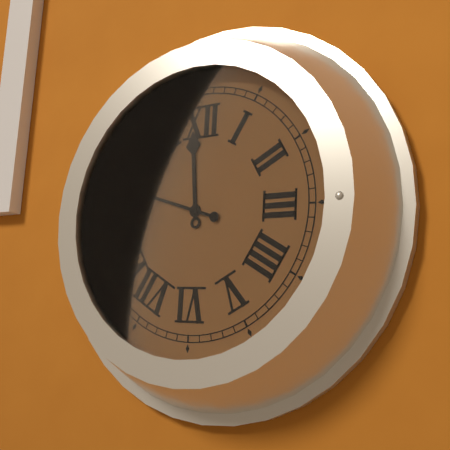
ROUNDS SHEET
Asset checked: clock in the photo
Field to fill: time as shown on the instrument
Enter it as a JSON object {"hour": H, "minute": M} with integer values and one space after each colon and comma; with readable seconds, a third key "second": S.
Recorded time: {"hour": 11, "minute": 48}
